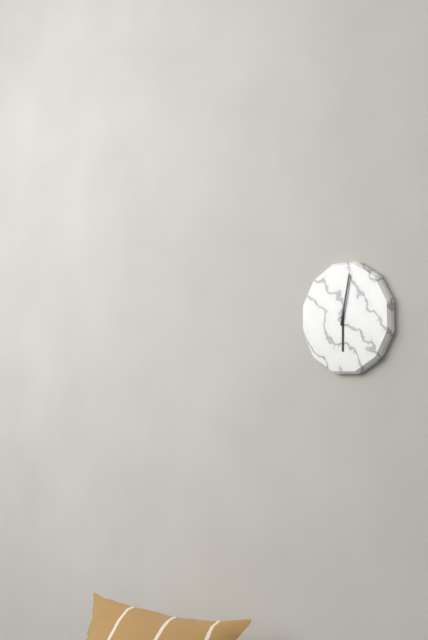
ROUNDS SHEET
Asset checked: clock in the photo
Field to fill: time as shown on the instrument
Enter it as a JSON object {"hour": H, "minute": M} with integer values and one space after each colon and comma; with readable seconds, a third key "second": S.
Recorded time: {"hour": 6, "minute": 2}
